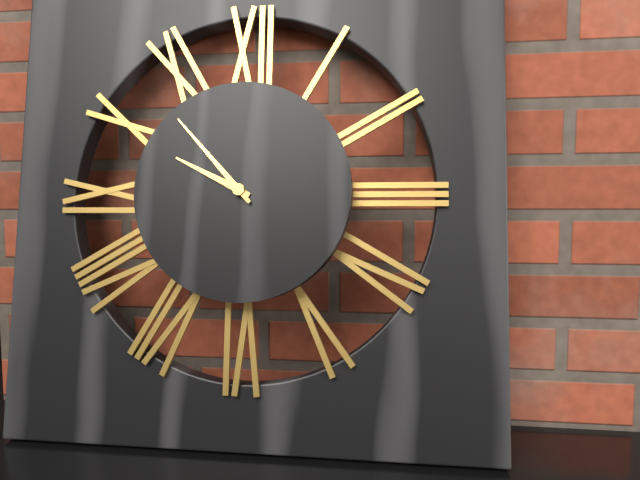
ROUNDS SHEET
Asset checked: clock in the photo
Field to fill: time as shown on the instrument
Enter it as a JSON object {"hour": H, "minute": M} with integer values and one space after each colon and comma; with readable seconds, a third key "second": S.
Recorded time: {"hour": 9, "minute": 53}
